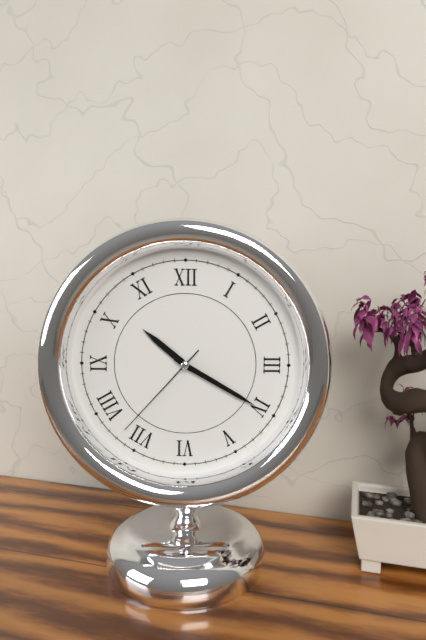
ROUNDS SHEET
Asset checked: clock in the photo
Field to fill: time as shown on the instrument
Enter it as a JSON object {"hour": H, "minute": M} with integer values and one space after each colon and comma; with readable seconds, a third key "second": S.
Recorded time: {"hour": 10, "minute": 20, "second": 37}
